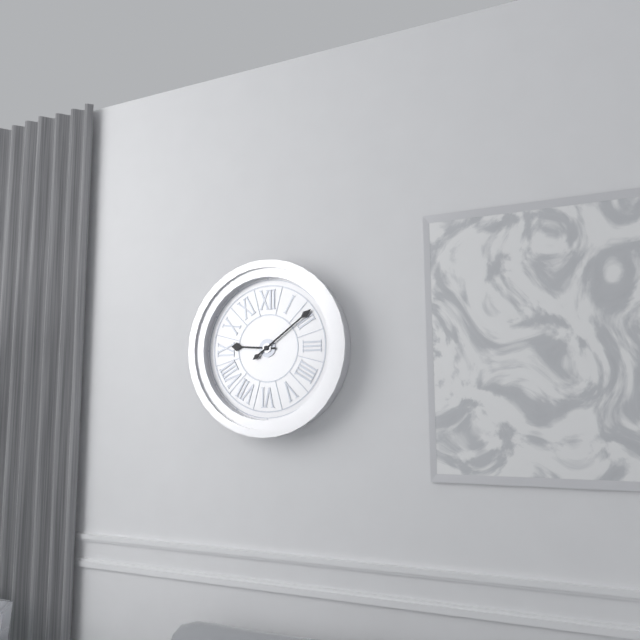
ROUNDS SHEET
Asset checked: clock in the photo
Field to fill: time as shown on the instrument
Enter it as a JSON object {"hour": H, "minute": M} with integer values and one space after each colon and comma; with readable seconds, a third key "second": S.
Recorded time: {"hour": 9, "minute": 9}
